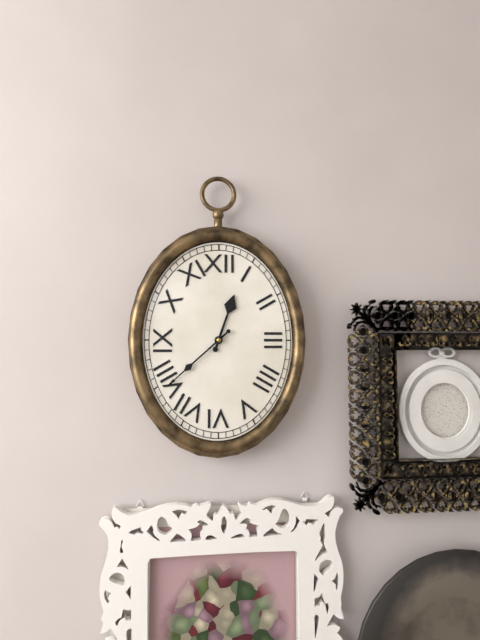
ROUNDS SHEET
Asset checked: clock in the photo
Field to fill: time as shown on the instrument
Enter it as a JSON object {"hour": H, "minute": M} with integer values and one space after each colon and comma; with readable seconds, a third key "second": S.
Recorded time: {"hour": 12, "minute": 38}
